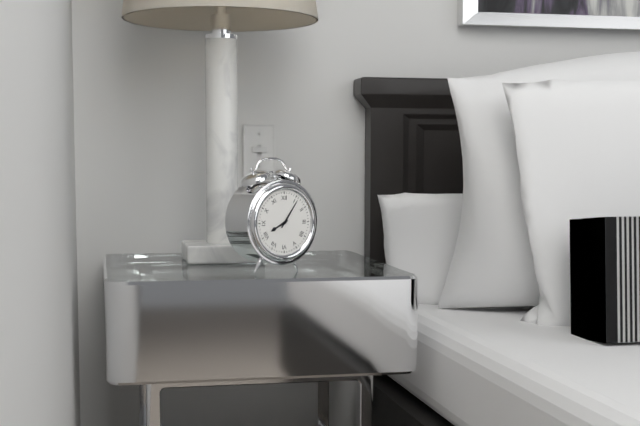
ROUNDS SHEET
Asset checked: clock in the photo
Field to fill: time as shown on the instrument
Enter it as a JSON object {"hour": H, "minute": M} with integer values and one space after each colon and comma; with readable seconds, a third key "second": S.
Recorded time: {"hour": 8, "minute": 6}
